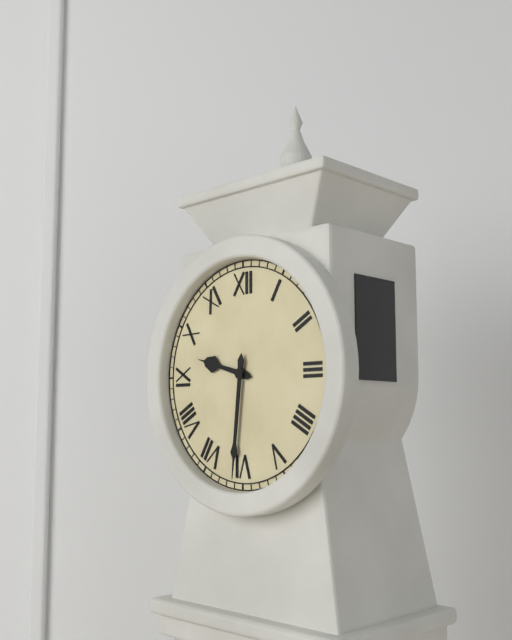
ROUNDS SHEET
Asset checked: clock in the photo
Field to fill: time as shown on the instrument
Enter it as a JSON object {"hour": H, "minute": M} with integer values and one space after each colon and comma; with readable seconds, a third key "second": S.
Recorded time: {"hour": 9, "minute": 31}
